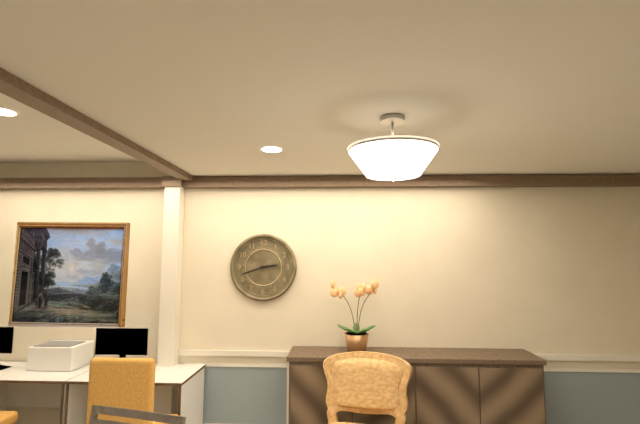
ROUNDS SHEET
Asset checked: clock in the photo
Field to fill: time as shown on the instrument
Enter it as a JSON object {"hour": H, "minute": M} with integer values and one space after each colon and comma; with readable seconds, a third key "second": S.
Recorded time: {"hour": 2, "minute": 42}
